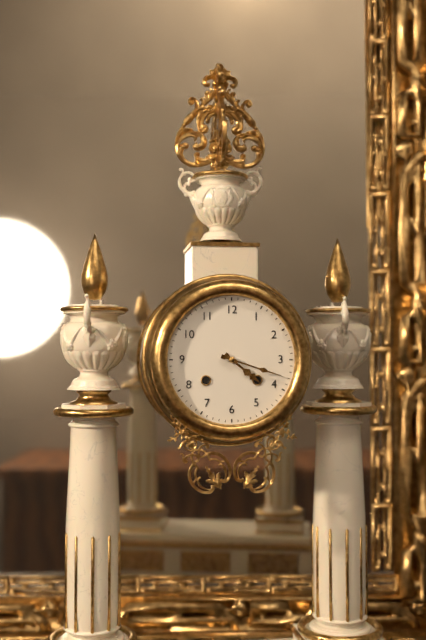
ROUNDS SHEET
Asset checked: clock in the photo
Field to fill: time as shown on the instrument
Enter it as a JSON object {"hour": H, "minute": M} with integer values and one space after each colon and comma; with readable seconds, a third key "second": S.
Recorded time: {"hour": 4, "minute": 18}
